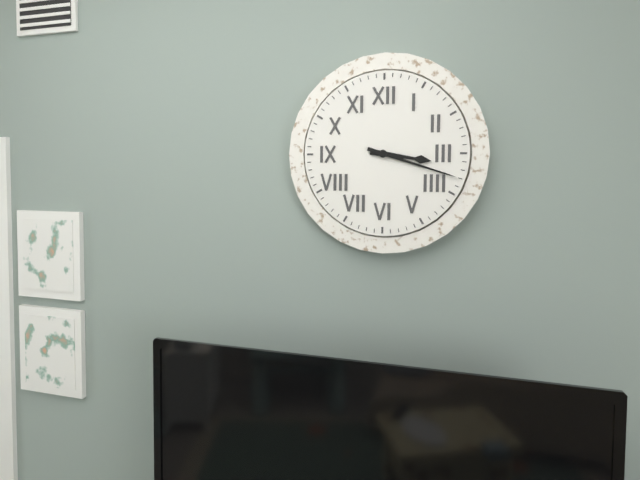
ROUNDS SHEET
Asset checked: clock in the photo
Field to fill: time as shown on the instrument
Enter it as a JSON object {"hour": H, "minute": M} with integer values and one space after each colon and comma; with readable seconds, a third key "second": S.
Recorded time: {"hour": 3, "minute": 18}
